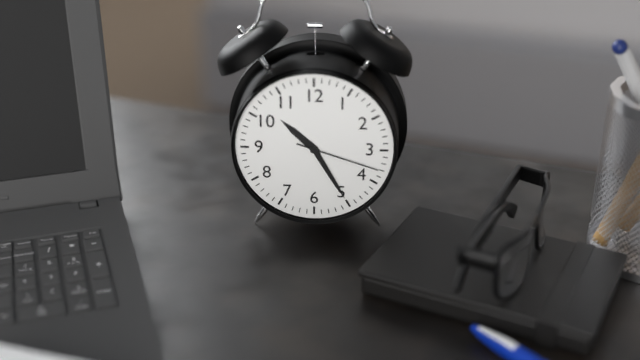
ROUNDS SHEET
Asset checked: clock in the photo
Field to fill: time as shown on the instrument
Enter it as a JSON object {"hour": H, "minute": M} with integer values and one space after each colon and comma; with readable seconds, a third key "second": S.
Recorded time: {"hour": 10, "minute": 25, "second": 18}
